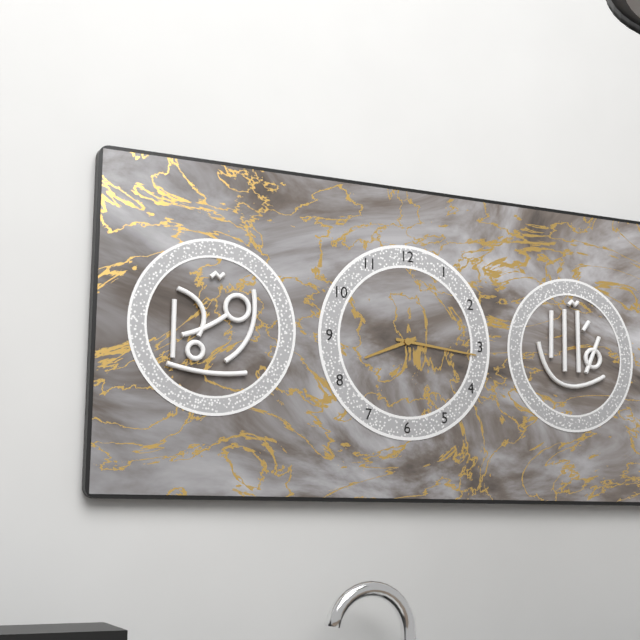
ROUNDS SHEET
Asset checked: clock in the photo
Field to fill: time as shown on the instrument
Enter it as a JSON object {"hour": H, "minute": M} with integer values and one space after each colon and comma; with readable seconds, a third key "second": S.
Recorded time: {"hour": 8, "minute": 16}
